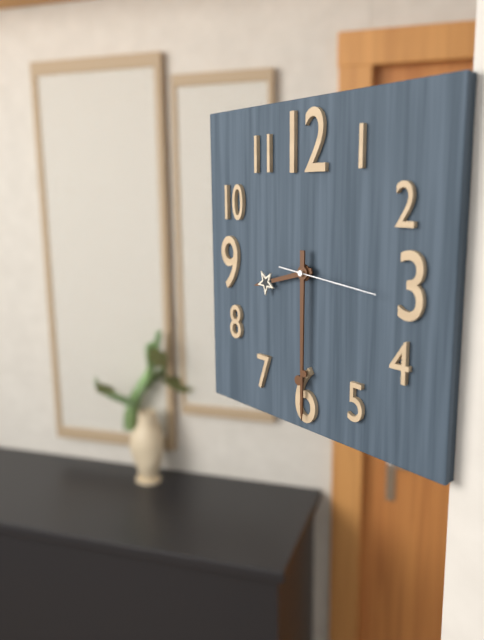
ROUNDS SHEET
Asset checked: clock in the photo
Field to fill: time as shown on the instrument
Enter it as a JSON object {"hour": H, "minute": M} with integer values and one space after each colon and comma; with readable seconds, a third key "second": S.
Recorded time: {"hour": 8, "minute": 30, "second": 16}
